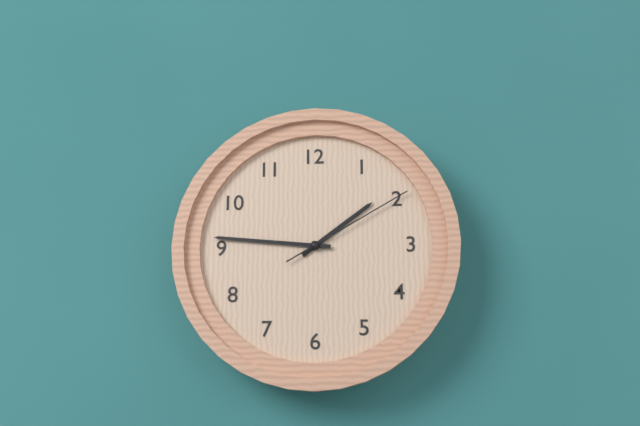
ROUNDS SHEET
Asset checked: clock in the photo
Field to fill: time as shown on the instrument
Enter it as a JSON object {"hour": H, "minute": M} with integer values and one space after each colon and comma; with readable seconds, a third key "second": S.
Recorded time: {"hour": 1, "minute": 46, "second": 10}
